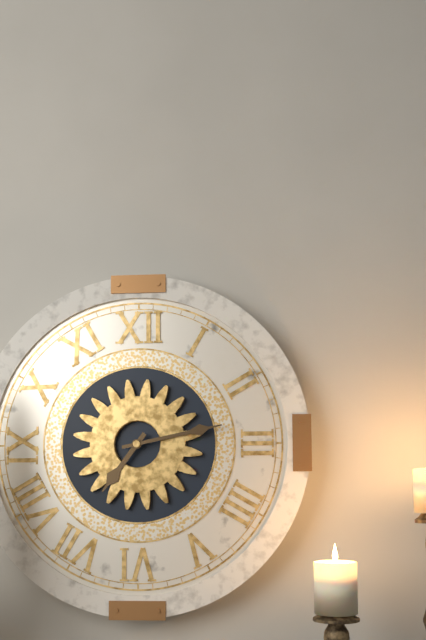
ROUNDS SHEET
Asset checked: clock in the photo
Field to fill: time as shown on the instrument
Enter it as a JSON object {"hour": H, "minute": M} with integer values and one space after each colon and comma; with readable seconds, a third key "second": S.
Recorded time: {"hour": 7, "minute": 13}
